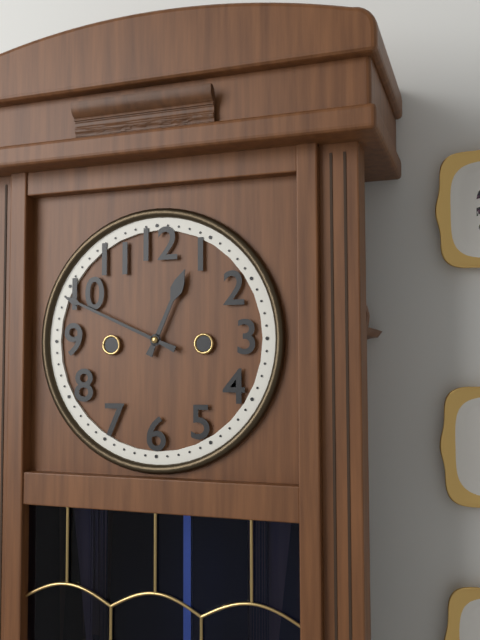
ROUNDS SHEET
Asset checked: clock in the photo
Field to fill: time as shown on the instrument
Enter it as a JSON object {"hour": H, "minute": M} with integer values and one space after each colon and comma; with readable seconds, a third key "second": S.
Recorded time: {"hour": 12, "minute": 49}
